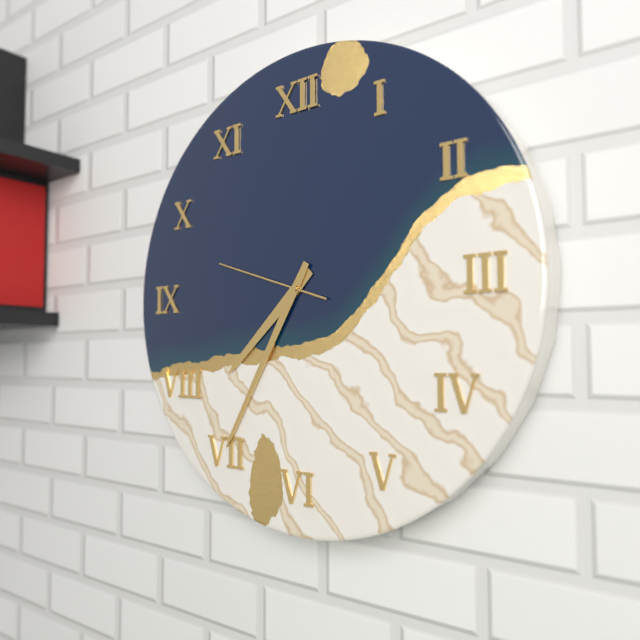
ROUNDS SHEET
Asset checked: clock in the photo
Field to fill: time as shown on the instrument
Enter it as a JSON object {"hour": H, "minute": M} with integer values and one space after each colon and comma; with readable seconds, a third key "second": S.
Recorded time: {"hour": 7, "minute": 35, "second": 48}
